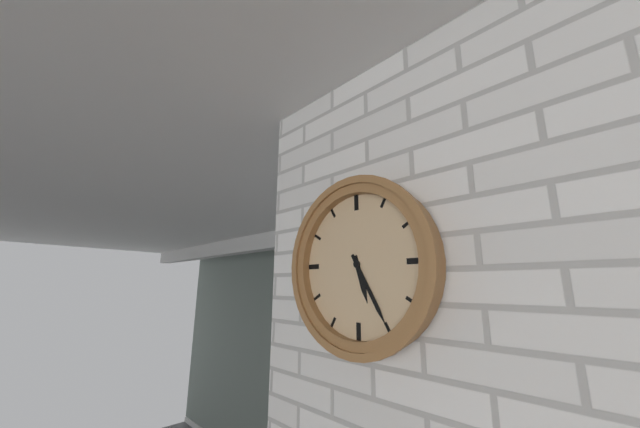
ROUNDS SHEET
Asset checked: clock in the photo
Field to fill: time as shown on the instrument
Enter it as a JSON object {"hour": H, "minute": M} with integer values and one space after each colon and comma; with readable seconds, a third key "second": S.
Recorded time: {"hour": 5, "minute": 25}
